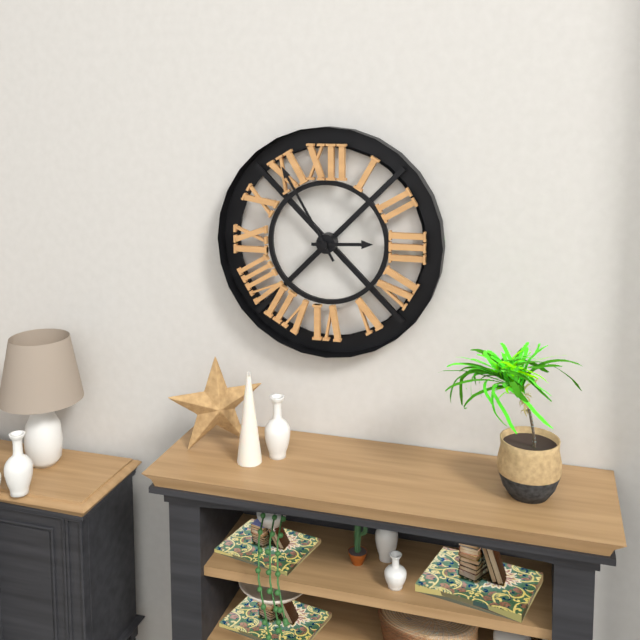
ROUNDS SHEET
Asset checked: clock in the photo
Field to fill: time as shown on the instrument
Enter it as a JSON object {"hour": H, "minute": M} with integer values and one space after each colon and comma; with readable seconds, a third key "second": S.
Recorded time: {"hour": 2, "minute": 55}
